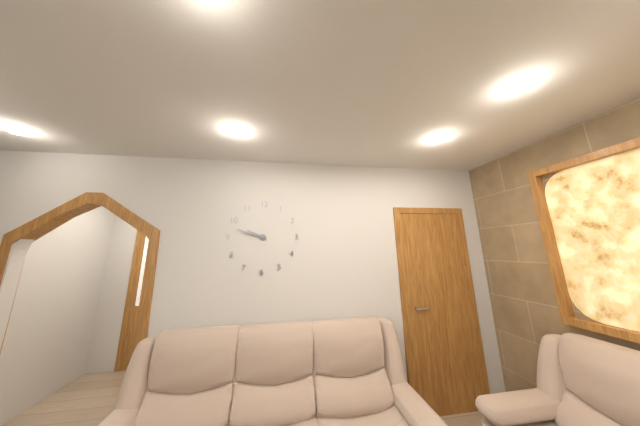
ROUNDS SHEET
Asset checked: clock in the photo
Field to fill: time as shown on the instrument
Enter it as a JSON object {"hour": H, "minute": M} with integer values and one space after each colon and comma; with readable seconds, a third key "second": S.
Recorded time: {"hour": 9, "minute": 48}
